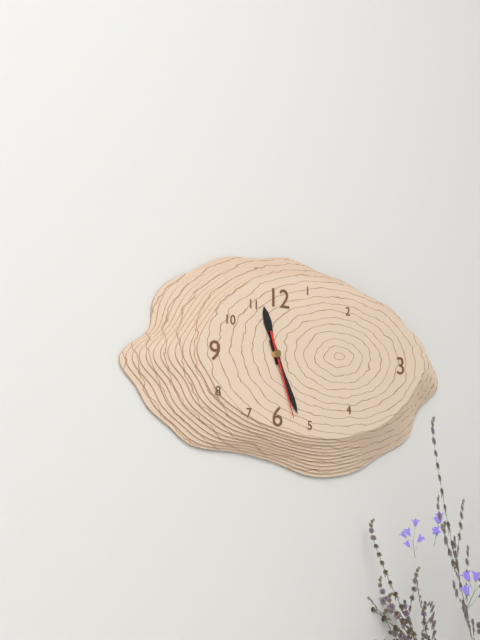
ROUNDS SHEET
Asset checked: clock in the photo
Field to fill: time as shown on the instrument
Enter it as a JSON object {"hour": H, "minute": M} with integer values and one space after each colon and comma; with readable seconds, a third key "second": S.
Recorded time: {"hour": 11, "minute": 26, "second": 27}
